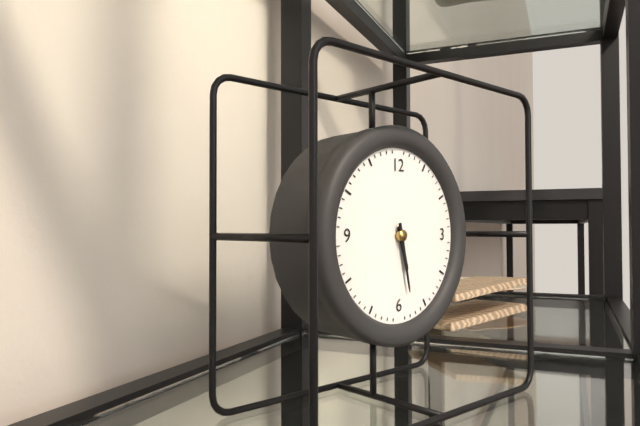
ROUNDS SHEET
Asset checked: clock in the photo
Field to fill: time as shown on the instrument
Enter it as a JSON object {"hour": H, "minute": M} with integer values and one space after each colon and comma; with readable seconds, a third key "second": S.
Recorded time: {"hour": 5, "minute": 28}
